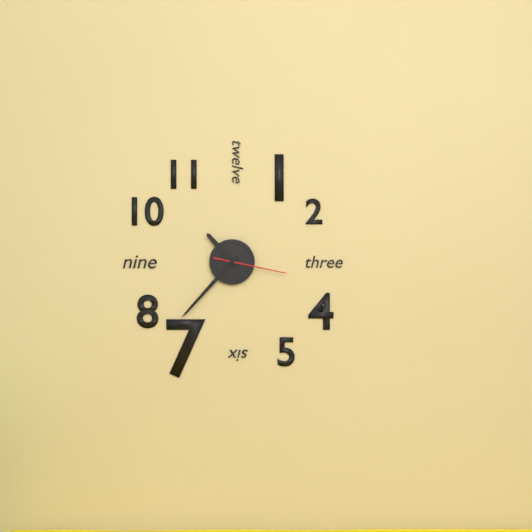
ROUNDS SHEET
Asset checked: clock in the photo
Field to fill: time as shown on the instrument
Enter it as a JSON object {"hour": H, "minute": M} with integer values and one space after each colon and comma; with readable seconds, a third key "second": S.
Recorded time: {"hour": 10, "minute": 37, "second": 17}
